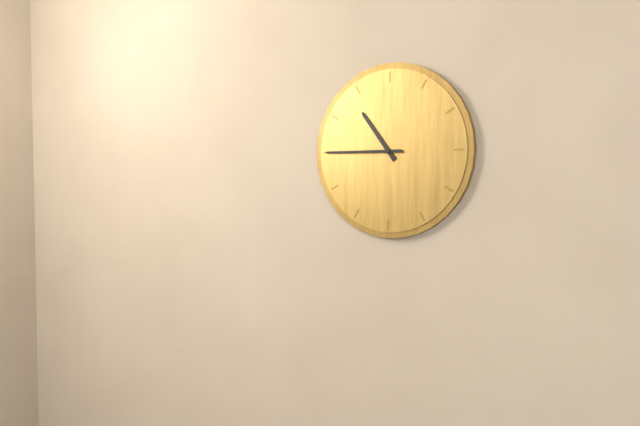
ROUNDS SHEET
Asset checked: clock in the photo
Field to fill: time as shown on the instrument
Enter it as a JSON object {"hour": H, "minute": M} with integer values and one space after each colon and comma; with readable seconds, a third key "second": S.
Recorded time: {"hour": 10, "minute": 45}
